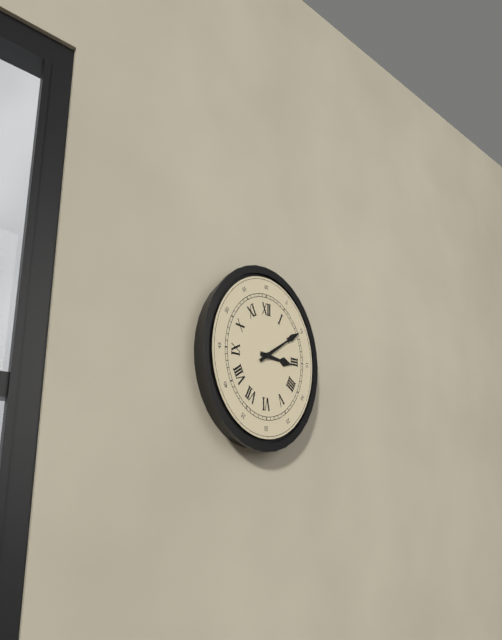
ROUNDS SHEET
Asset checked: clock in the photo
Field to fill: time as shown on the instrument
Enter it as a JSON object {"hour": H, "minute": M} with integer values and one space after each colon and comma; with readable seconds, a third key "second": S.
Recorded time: {"hour": 3, "minute": 10}
